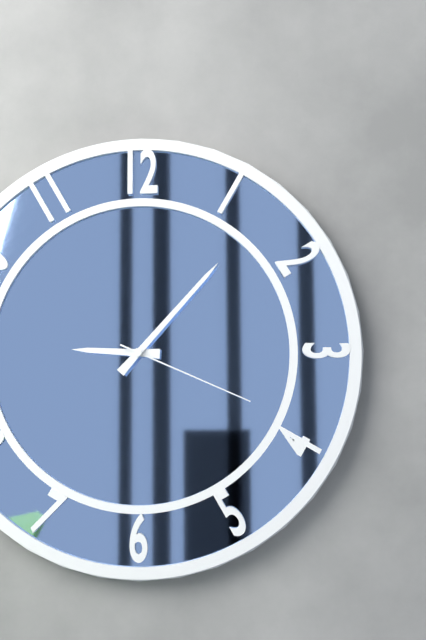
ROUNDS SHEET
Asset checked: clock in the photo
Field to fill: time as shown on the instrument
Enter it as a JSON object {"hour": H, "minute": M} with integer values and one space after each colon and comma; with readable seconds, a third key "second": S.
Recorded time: {"hour": 9, "minute": 7, "second": 19}
